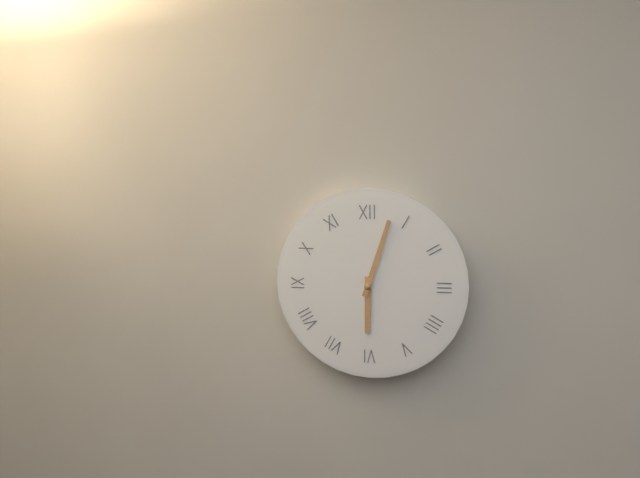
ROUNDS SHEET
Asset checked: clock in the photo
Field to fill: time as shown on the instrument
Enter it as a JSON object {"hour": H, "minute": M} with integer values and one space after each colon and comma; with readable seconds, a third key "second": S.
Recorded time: {"hour": 6, "minute": 3}
